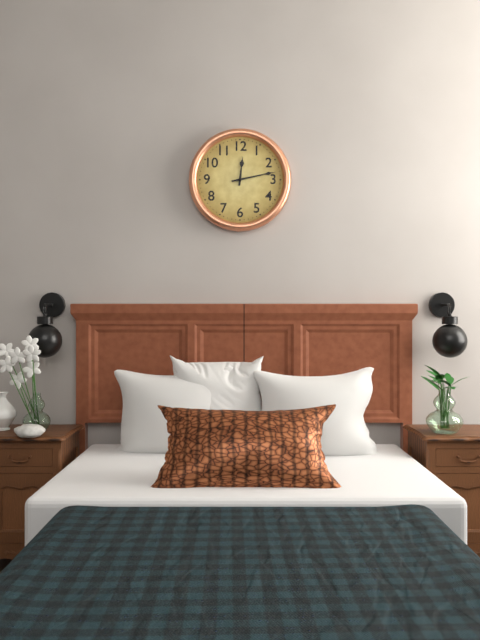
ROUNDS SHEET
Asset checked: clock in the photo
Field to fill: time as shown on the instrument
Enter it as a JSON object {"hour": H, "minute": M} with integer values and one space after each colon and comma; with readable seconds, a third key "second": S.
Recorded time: {"hour": 12, "minute": 13}
